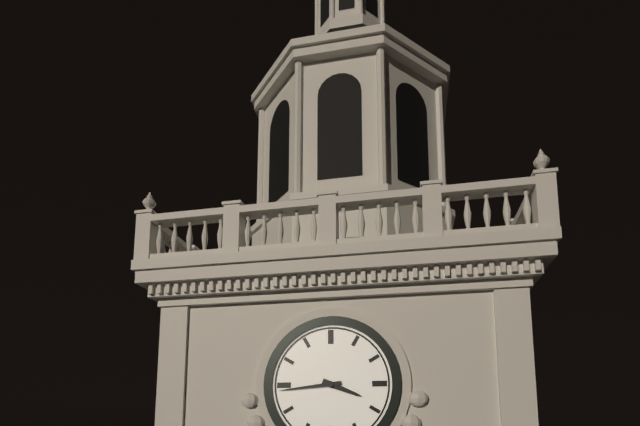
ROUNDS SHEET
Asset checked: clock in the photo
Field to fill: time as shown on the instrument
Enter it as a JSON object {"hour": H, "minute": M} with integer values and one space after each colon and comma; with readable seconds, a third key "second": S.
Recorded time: {"hour": 3, "minute": 44}
